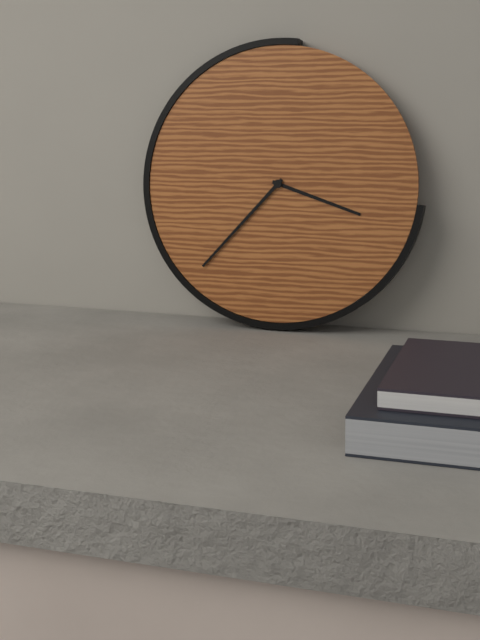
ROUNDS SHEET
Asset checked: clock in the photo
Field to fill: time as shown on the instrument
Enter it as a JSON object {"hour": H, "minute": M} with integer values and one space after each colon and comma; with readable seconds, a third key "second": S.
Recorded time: {"hour": 3, "minute": 37}
